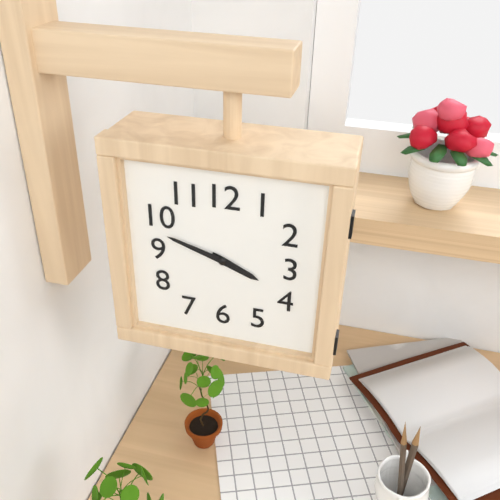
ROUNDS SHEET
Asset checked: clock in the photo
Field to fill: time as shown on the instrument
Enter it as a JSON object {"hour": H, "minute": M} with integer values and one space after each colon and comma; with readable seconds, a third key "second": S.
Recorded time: {"hour": 3, "minute": 48}
